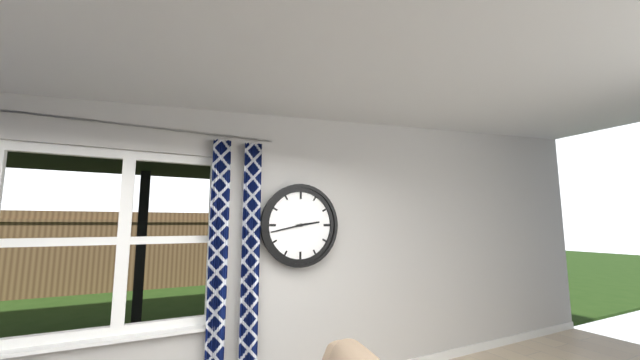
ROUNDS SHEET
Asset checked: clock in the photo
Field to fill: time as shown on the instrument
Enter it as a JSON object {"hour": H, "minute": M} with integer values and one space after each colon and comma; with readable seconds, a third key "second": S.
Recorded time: {"hour": 2, "minute": 43}
